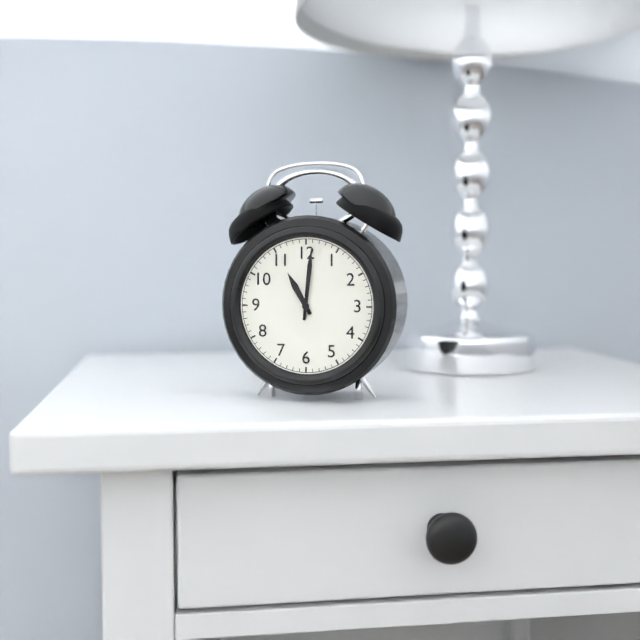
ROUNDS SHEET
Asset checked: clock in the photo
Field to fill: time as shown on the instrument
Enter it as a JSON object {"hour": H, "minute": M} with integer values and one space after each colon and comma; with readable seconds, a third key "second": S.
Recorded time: {"hour": 11, "minute": 1}
